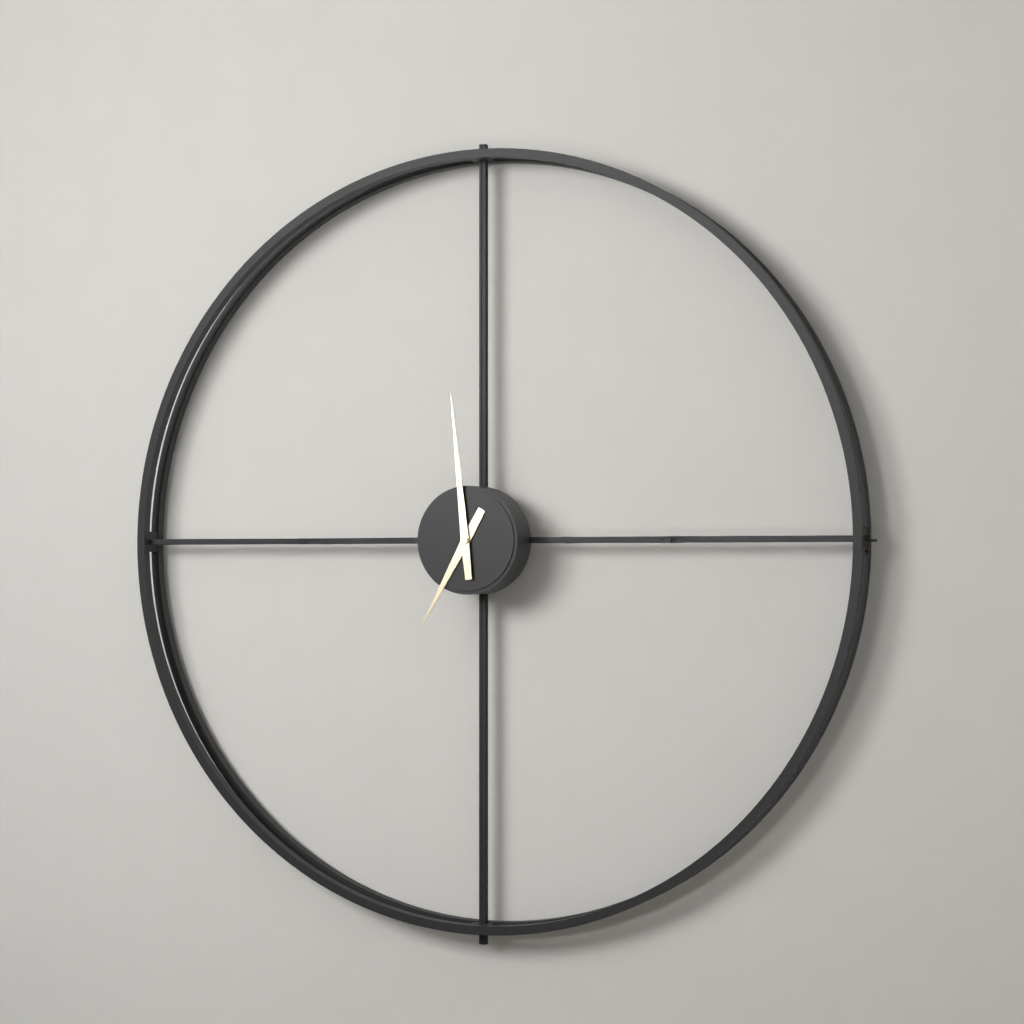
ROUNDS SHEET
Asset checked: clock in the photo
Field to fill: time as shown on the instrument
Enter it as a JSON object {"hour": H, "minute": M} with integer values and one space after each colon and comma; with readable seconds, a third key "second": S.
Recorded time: {"hour": 6, "minute": 59}
